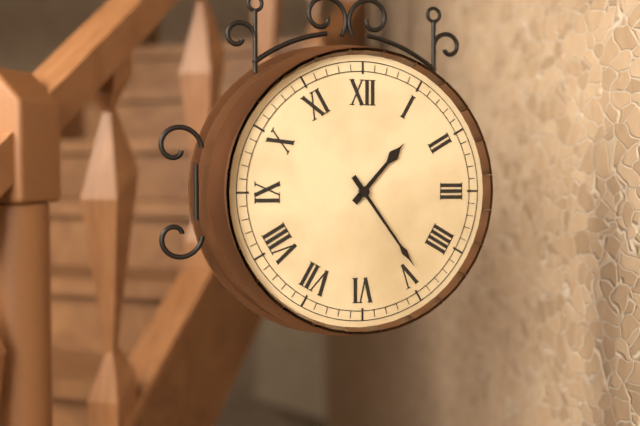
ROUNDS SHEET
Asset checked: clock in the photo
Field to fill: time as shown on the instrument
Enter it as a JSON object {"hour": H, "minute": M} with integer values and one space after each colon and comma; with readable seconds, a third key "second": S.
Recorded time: {"hour": 1, "minute": 24}
